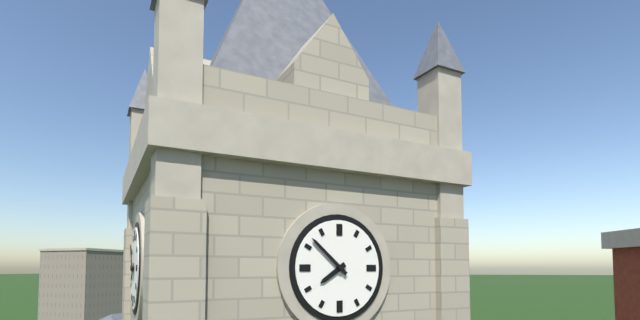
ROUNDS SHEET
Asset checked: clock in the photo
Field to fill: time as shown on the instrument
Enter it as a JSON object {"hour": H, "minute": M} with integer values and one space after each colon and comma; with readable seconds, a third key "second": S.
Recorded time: {"hour": 7, "minute": 52}
